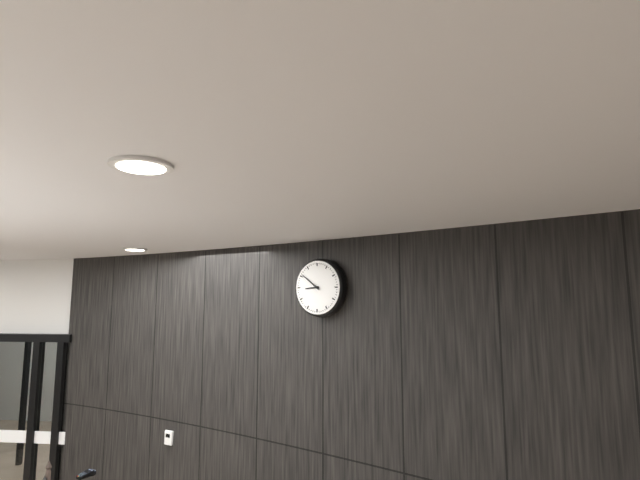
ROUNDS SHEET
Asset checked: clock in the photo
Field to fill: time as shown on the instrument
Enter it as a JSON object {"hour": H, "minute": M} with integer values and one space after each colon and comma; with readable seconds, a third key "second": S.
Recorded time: {"hour": 8, "minute": 51}
